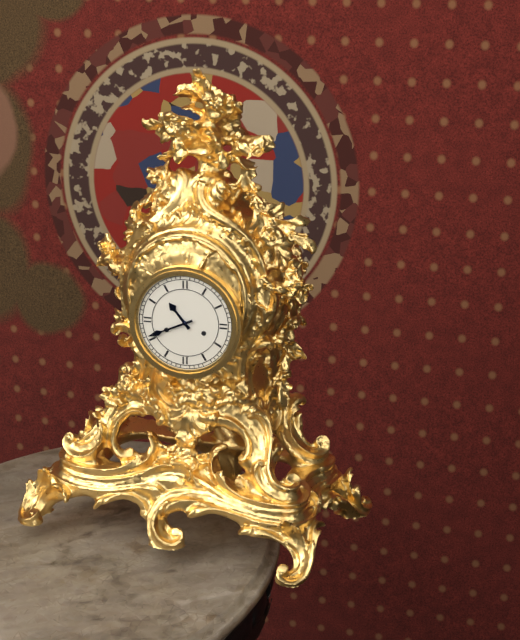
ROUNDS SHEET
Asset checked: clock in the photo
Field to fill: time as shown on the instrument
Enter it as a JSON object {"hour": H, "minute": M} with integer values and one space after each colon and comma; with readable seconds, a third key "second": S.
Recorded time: {"hour": 10, "minute": 41}
